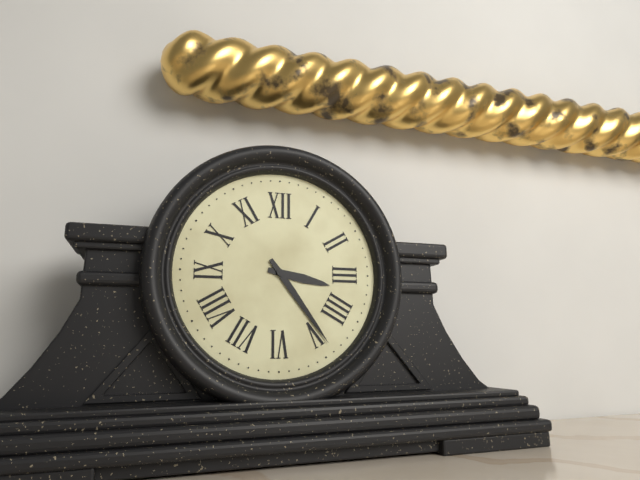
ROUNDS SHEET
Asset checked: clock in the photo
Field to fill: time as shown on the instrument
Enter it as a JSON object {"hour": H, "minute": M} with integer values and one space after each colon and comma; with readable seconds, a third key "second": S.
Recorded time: {"hour": 3, "minute": 24}
